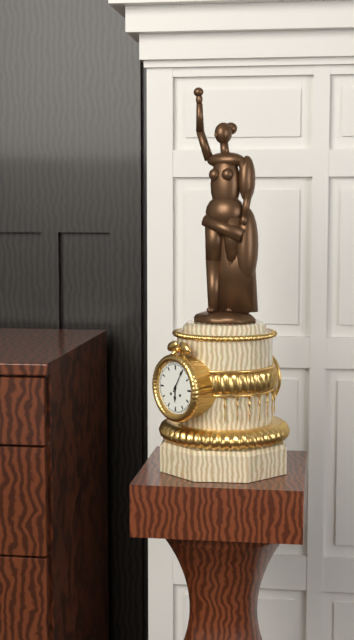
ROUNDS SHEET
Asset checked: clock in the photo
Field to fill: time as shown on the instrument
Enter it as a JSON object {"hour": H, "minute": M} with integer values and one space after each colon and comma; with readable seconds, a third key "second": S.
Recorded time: {"hour": 6, "minute": 5}
